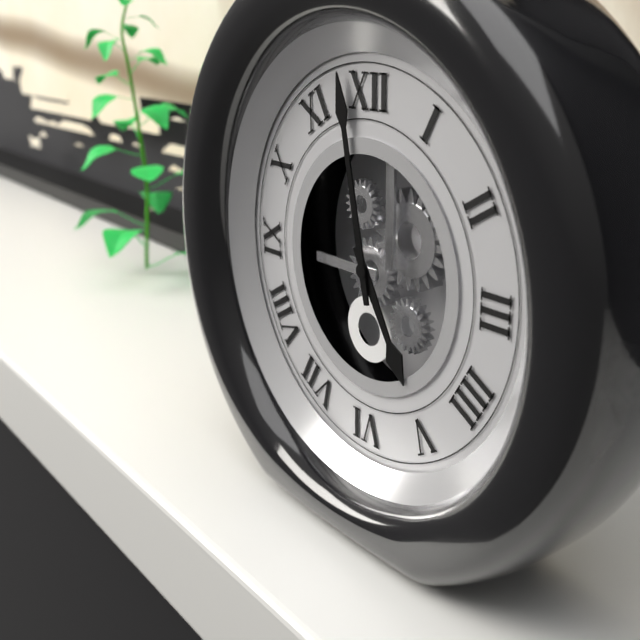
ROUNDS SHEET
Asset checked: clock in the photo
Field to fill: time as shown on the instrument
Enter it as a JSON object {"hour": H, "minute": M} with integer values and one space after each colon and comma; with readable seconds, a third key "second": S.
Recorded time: {"hour": 4, "minute": 58}
